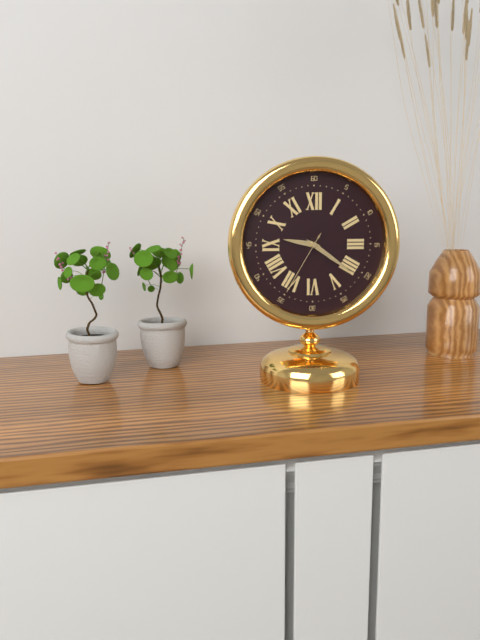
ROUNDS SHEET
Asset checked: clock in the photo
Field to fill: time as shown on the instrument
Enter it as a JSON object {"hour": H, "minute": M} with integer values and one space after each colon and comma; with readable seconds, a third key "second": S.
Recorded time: {"hour": 9, "minute": 21, "second": 35}
